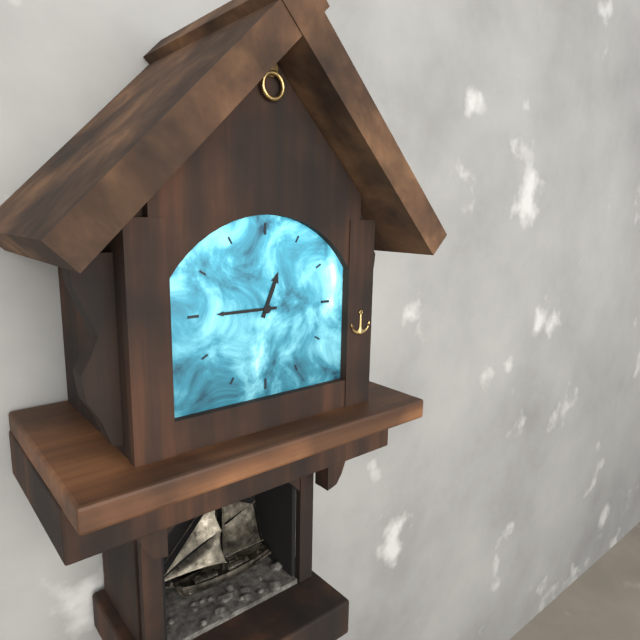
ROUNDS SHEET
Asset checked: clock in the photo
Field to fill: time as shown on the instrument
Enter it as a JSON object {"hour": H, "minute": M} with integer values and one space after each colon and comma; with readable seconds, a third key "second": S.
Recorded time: {"hour": 12, "minute": 45}
